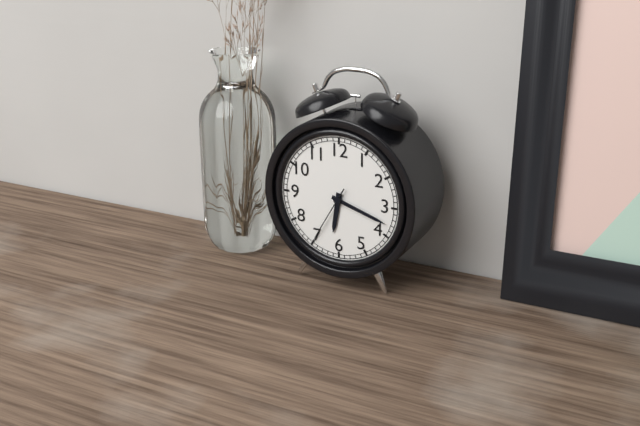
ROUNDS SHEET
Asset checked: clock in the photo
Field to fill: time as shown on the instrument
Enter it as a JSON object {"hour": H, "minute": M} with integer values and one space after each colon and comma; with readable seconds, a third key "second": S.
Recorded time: {"hour": 6, "minute": 18, "second": 35}
